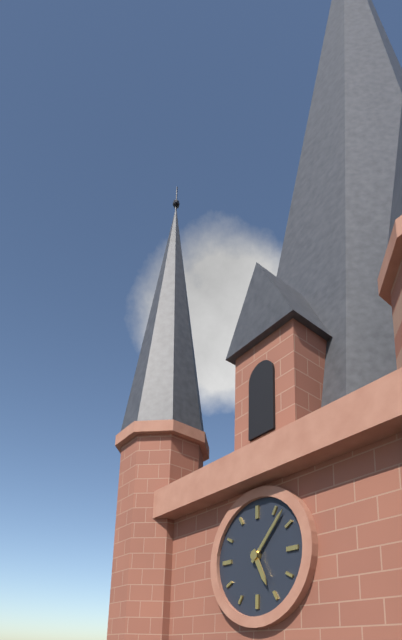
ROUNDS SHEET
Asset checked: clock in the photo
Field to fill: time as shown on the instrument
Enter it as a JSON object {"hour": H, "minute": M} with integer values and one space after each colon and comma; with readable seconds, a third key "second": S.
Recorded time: {"hour": 5, "minute": 7}
